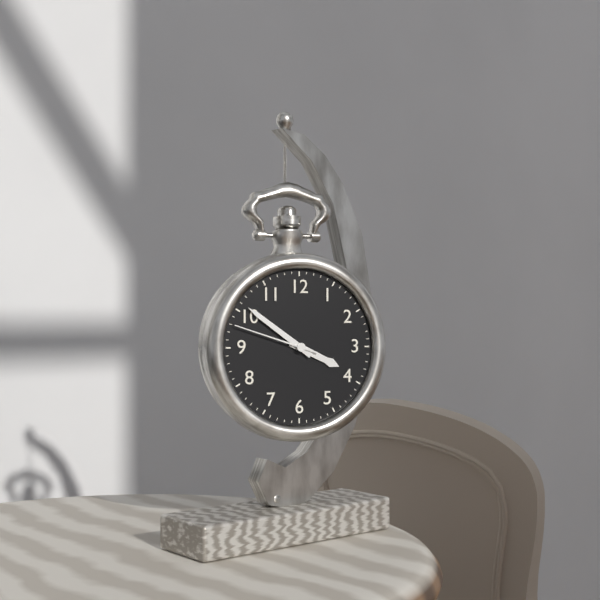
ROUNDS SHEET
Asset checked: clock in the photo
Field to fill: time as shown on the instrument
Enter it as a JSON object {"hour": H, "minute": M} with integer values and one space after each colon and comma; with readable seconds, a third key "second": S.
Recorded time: {"hour": 3, "minute": 51, "second": 48}
